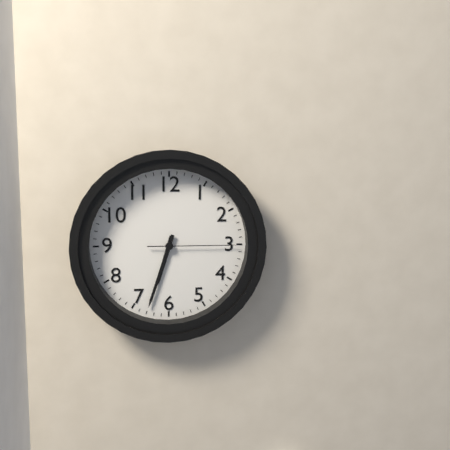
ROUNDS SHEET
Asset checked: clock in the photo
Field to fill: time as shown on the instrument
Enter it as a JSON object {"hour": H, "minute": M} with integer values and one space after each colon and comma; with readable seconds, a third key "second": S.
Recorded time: {"hour": 6, "minute": 33, "second": 15}
